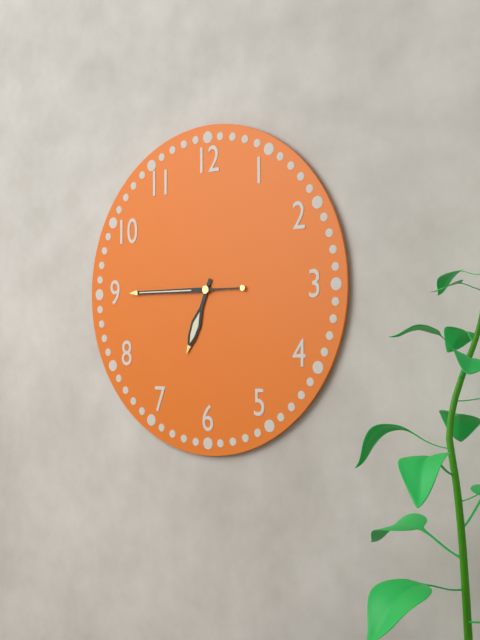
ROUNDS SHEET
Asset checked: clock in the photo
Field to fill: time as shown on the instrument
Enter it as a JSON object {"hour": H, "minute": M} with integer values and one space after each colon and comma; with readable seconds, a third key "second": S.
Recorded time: {"hour": 6, "minute": 45}
